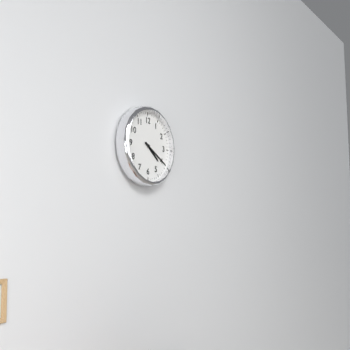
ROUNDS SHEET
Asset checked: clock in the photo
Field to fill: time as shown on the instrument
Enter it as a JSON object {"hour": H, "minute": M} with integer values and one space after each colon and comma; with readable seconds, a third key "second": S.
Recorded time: {"hour": 4, "minute": 20}
